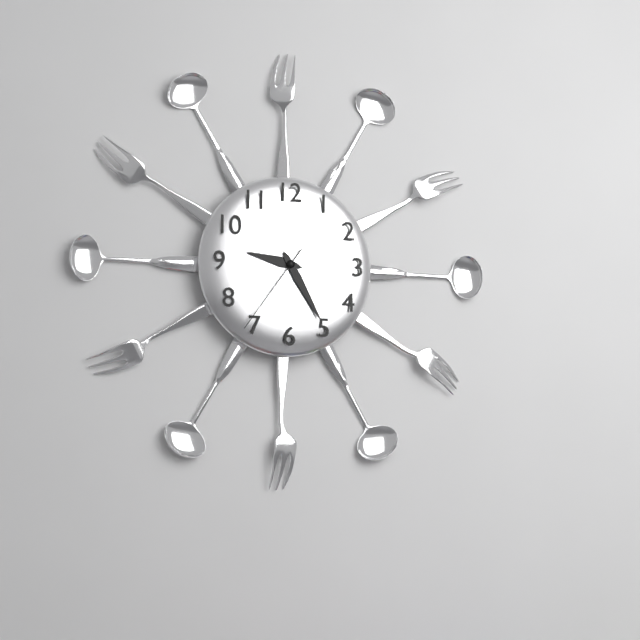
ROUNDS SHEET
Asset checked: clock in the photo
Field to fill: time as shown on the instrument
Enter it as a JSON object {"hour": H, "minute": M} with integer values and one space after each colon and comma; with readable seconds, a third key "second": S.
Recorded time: {"hour": 9, "minute": 25, "second": 36}
